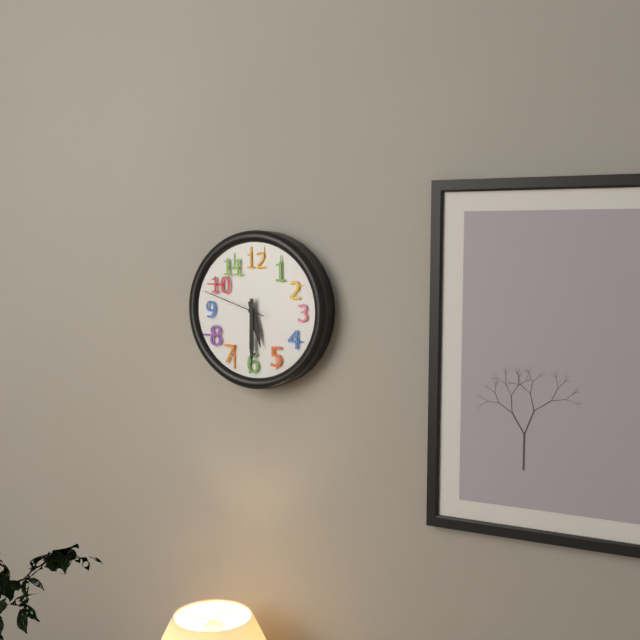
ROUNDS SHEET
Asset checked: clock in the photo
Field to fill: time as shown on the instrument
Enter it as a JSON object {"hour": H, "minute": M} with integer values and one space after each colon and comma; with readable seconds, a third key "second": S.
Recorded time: {"hour": 5, "minute": 30, "second": 48}
